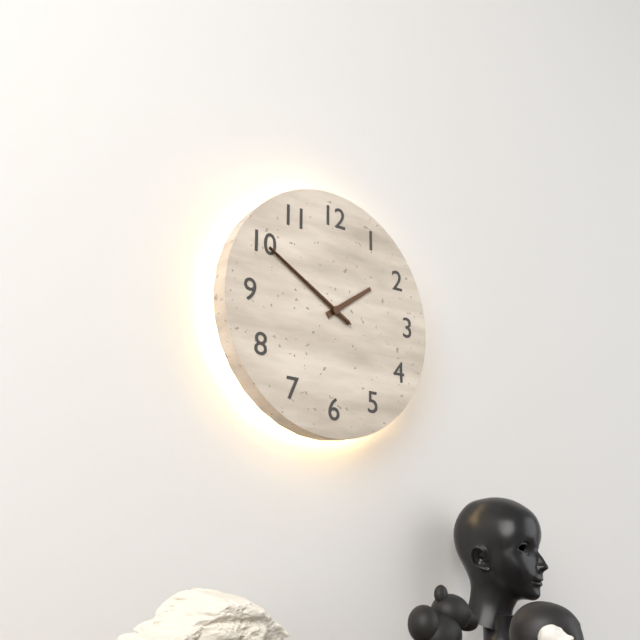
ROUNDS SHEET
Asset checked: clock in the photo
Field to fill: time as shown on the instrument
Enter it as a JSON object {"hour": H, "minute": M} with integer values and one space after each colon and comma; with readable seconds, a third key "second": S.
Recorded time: {"hour": 1, "minute": 50, "second": 50}
